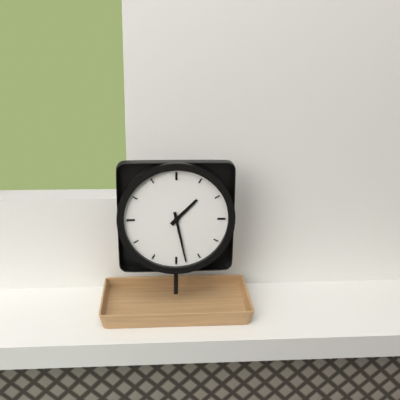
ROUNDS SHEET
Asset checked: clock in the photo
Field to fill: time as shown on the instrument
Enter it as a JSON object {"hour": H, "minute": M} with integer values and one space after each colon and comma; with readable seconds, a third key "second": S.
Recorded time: {"hour": 1, "minute": 28}
